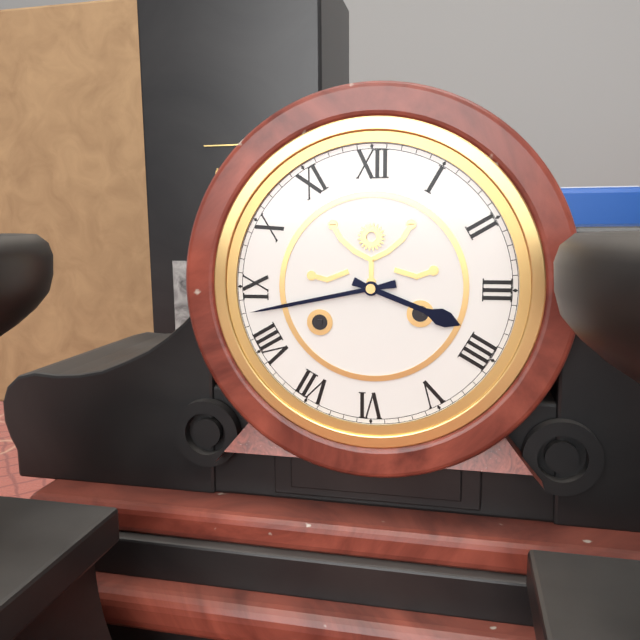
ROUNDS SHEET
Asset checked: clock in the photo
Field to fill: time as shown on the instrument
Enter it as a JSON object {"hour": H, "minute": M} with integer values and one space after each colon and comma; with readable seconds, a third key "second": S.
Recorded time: {"hour": 3, "minute": 43}
